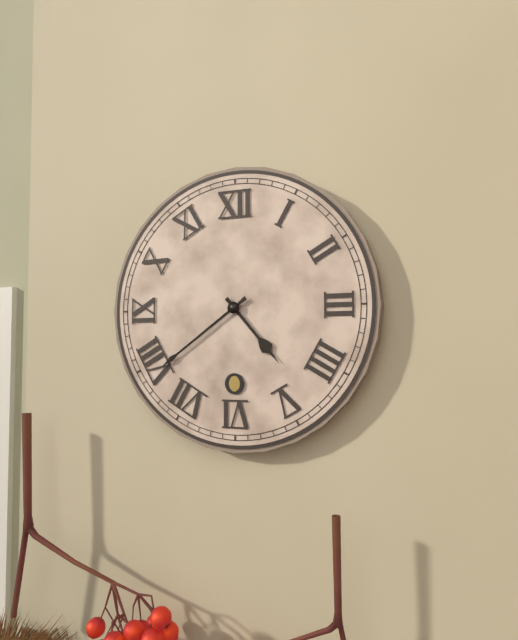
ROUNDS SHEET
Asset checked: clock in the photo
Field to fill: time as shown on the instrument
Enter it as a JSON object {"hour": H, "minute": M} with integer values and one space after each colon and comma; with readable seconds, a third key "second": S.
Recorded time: {"hour": 4, "minute": 39}
